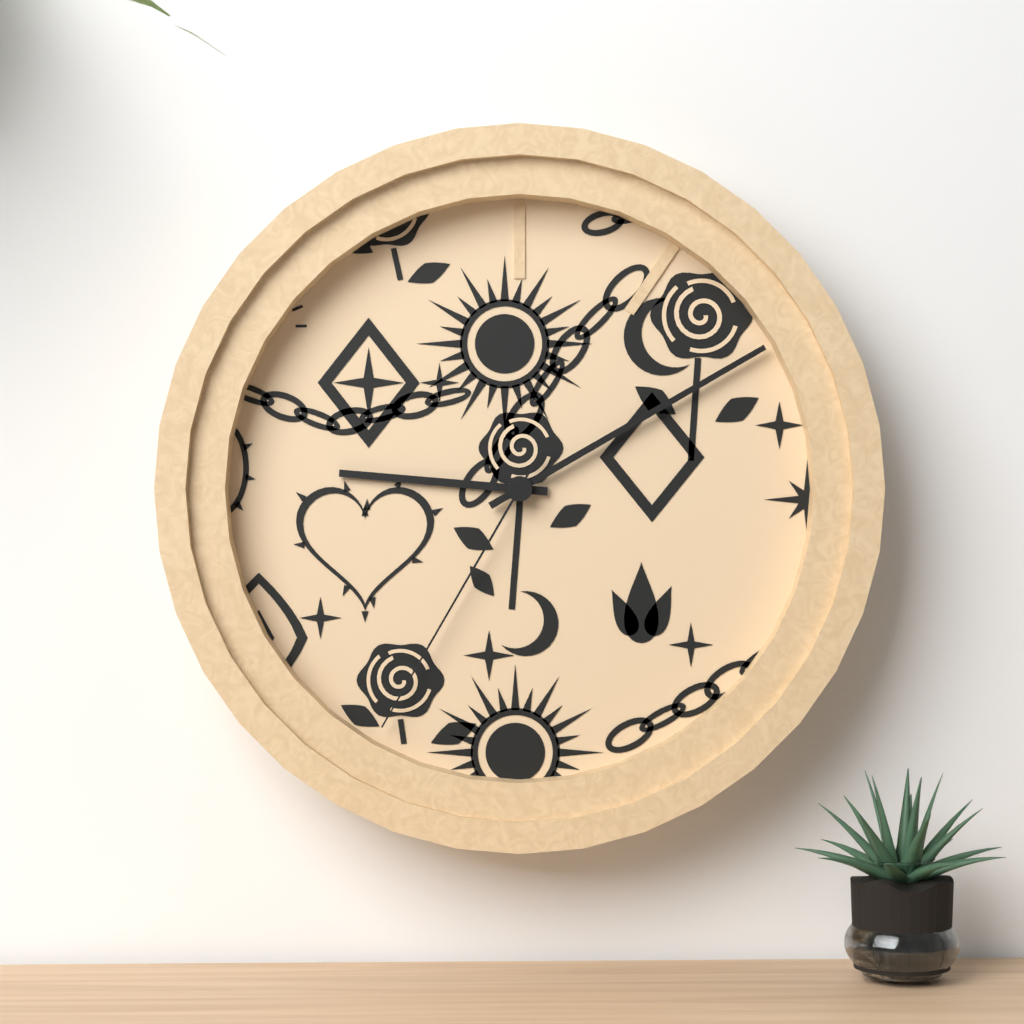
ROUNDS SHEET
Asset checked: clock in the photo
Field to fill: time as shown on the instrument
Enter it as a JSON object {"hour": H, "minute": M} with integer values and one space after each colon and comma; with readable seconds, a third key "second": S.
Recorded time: {"hour": 9, "minute": 10, "second": 35}
